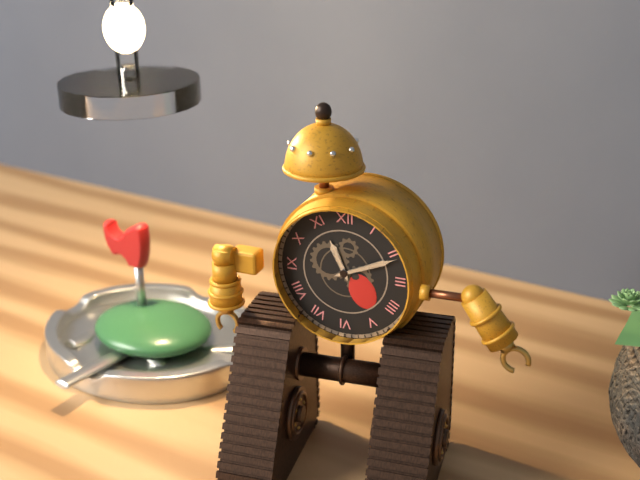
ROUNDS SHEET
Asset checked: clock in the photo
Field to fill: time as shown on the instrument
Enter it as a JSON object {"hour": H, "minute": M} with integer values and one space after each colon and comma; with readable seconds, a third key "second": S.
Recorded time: {"hour": 11, "minute": 11}
